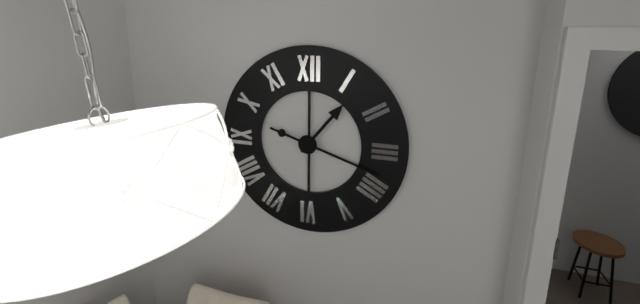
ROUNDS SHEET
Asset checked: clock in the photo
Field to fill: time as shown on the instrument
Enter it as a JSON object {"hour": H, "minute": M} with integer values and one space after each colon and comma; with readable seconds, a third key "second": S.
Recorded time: {"hour": 1, "minute": 18}
